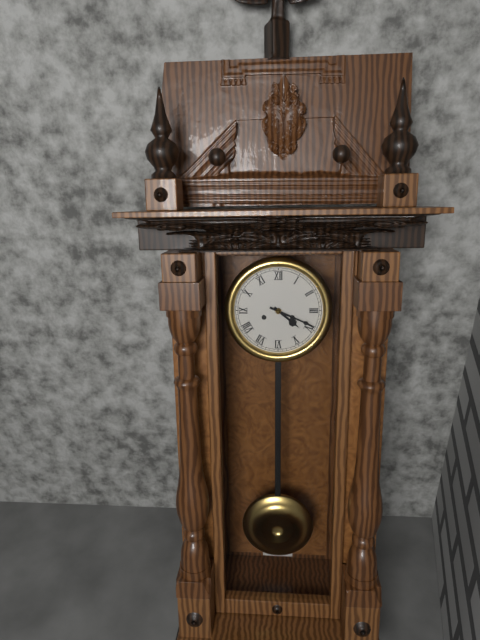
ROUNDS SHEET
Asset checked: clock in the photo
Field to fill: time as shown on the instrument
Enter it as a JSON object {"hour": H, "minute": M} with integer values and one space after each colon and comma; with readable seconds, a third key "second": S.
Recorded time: {"hour": 4, "minute": 19}
